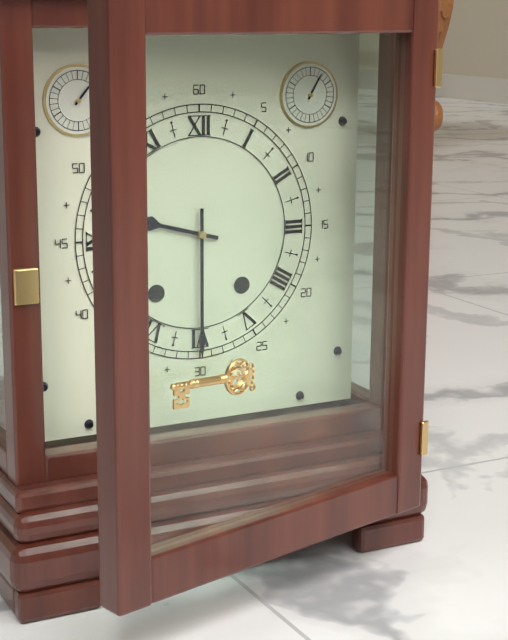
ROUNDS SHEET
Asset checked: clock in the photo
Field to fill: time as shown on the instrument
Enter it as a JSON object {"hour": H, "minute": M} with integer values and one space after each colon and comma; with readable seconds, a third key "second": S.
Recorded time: {"hour": 9, "minute": 30}
